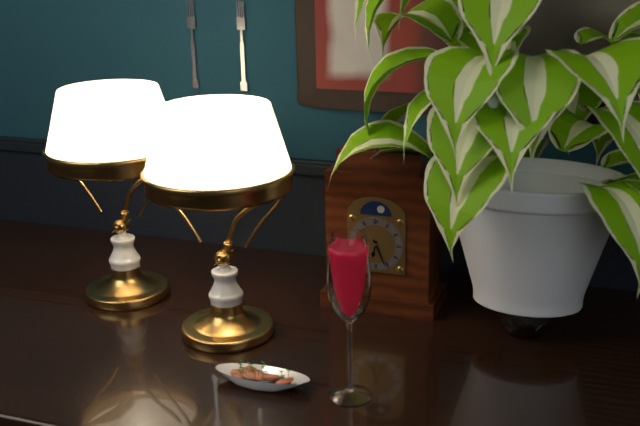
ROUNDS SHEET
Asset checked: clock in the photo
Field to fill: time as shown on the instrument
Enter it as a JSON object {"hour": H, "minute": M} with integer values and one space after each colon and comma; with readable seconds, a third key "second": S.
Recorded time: {"hour": 6, "minute": 26}
